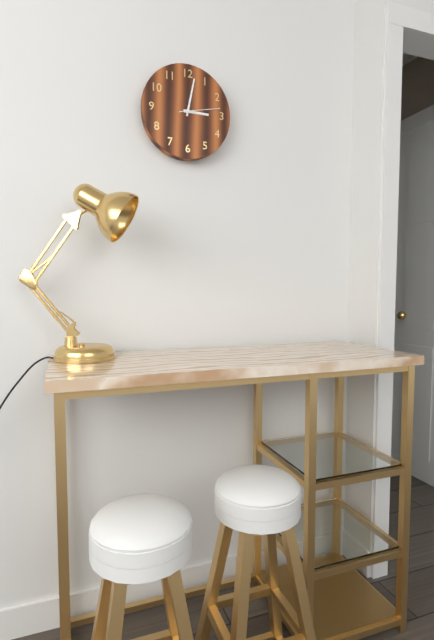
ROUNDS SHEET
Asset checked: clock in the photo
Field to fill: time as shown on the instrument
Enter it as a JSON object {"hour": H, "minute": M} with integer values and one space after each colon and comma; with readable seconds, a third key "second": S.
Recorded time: {"hour": 3, "minute": 2}
